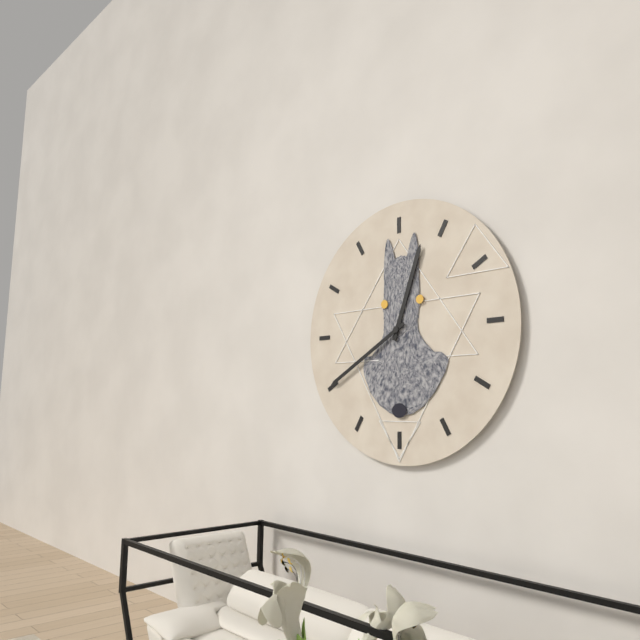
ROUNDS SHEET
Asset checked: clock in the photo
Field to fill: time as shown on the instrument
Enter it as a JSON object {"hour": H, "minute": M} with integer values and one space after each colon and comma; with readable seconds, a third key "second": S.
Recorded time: {"hour": 12, "minute": 40}
